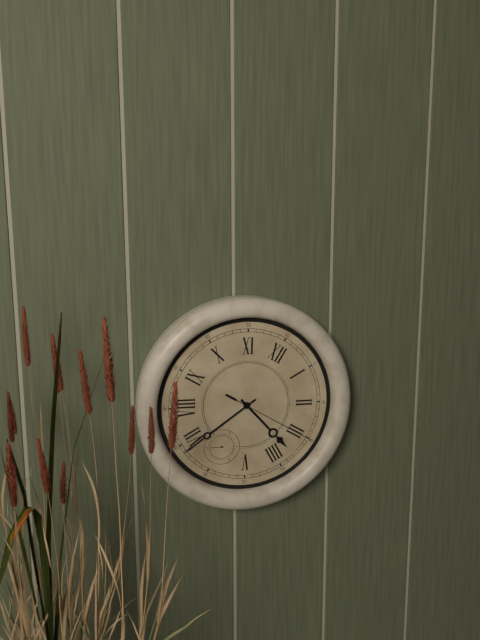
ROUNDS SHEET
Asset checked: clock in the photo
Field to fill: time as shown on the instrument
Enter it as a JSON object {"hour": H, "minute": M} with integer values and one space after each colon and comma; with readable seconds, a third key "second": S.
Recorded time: {"hour": 3, "minute": 34, "second": 15}
